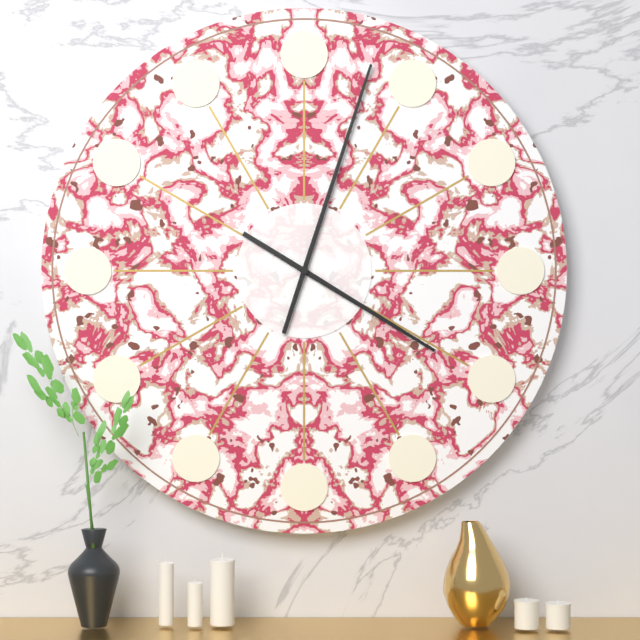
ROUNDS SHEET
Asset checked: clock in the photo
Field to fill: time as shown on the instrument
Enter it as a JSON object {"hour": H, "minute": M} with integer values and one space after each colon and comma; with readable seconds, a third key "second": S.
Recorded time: {"hour": 4, "minute": 3}
